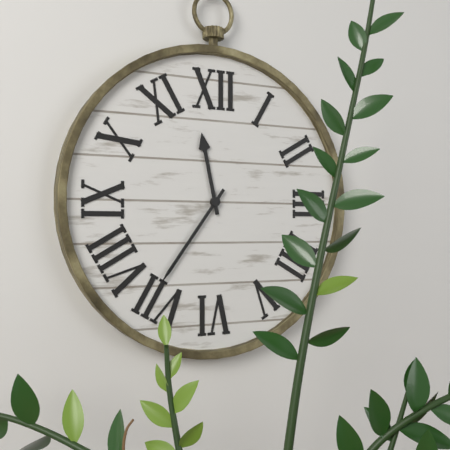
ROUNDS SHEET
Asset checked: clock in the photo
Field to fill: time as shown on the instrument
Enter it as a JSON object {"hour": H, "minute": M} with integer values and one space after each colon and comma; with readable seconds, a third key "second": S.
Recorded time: {"hour": 11, "minute": 36}
